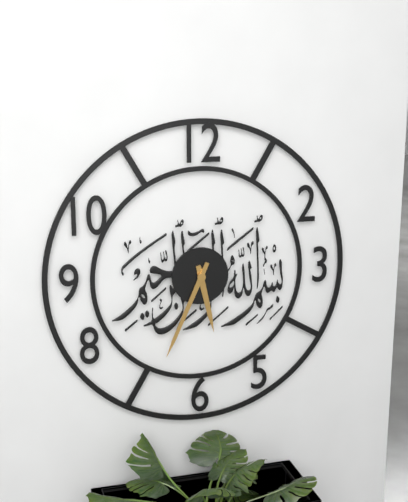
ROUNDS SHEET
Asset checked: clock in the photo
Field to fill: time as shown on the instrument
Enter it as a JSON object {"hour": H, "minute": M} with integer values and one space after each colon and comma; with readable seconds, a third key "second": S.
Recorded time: {"hour": 5, "minute": 34}
